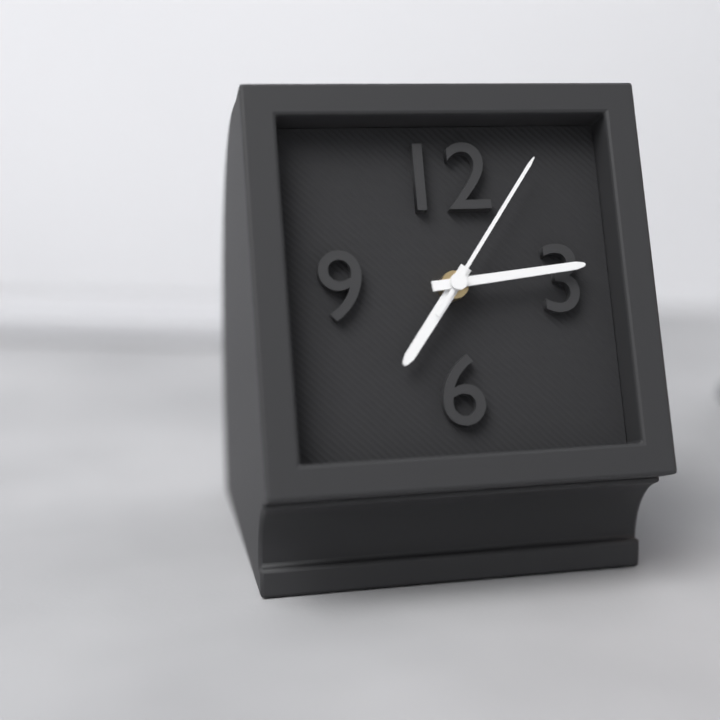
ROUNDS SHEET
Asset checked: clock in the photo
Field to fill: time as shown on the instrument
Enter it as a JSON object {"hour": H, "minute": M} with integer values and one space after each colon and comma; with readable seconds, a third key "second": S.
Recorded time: {"hour": 7, "minute": 14, "second": 6}
